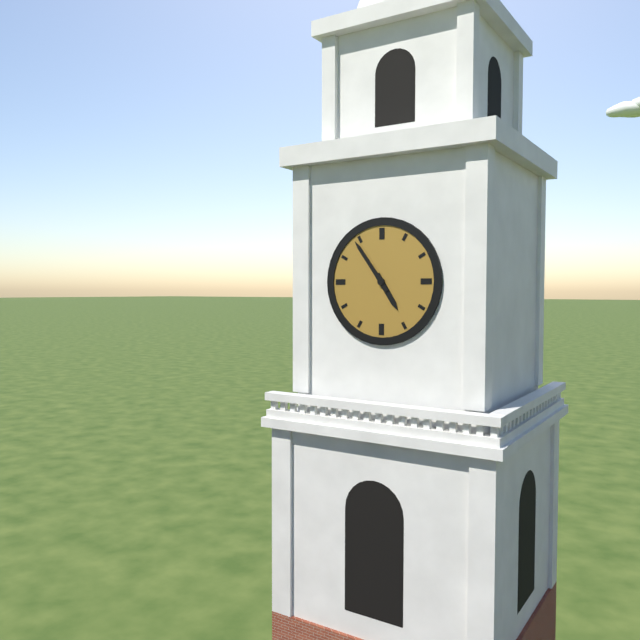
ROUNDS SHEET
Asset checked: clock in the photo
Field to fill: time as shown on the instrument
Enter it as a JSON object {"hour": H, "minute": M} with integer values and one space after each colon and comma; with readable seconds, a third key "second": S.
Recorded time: {"hour": 4, "minute": 54}
